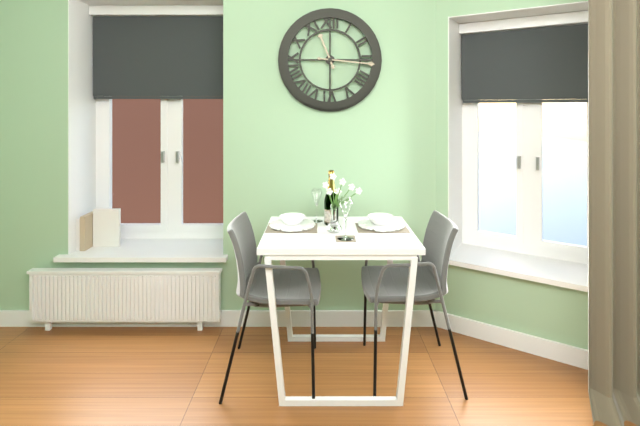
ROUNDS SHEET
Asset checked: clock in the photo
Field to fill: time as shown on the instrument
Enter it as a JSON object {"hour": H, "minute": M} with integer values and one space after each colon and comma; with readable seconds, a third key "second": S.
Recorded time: {"hour": 11, "minute": 16}
